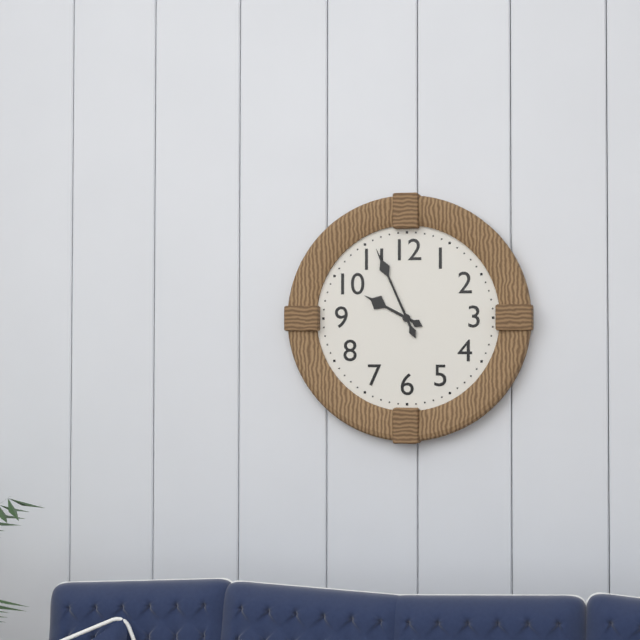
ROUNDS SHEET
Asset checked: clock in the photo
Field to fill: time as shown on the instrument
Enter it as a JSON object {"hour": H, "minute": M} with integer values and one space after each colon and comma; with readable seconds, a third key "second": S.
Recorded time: {"hour": 9, "minute": 56}
